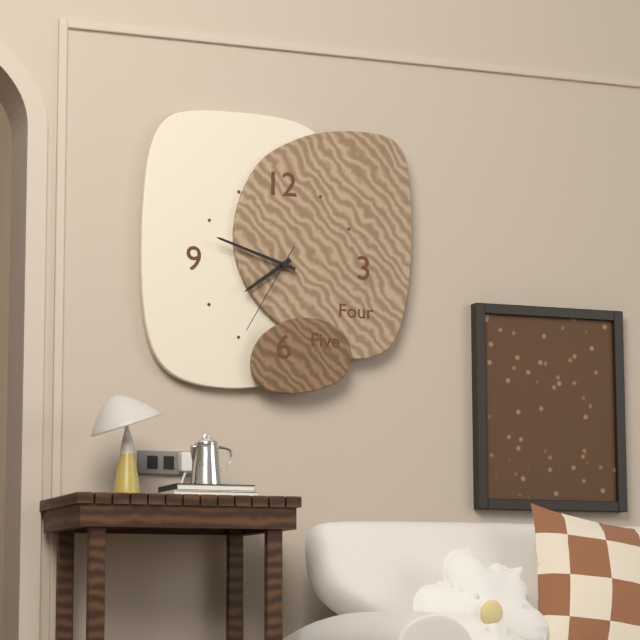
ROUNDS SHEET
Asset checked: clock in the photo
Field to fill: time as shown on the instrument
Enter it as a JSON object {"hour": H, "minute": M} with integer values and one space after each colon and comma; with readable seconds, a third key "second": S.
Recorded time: {"hour": 7, "minute": 48, "second": 35}
